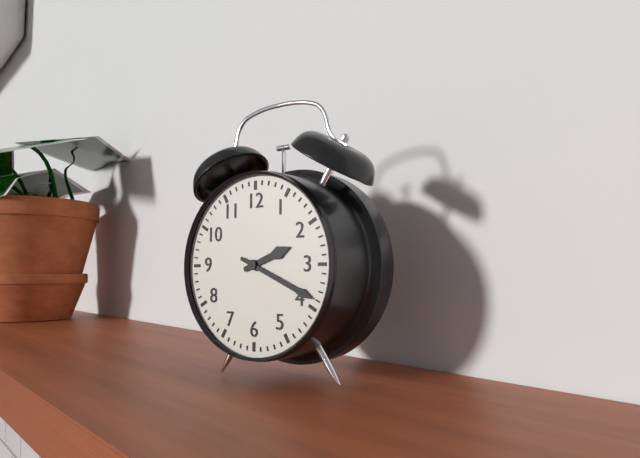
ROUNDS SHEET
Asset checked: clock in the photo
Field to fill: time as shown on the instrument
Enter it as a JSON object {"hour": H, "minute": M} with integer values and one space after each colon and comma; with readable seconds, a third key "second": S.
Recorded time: {"hour": 2, "minute": 19}
